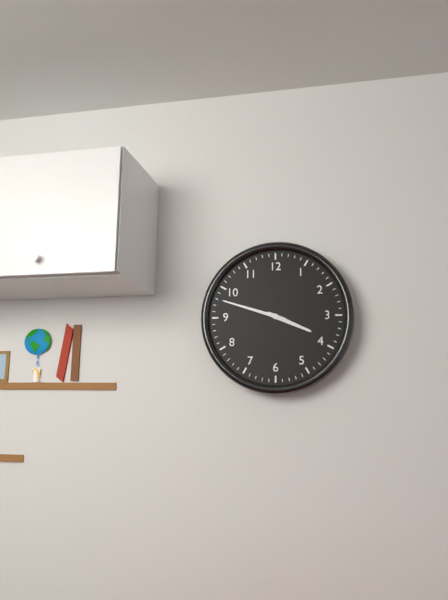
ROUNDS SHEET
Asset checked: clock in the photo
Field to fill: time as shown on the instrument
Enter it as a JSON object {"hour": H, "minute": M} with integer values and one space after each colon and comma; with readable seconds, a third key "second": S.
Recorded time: {"hour": 3, "minute": 48}
